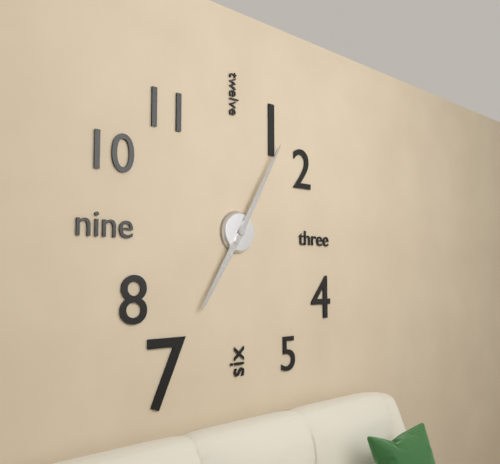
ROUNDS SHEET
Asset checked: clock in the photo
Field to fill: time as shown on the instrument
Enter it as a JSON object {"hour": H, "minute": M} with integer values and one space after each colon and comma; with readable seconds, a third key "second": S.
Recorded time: {"hour": 7, "minute": 5}
